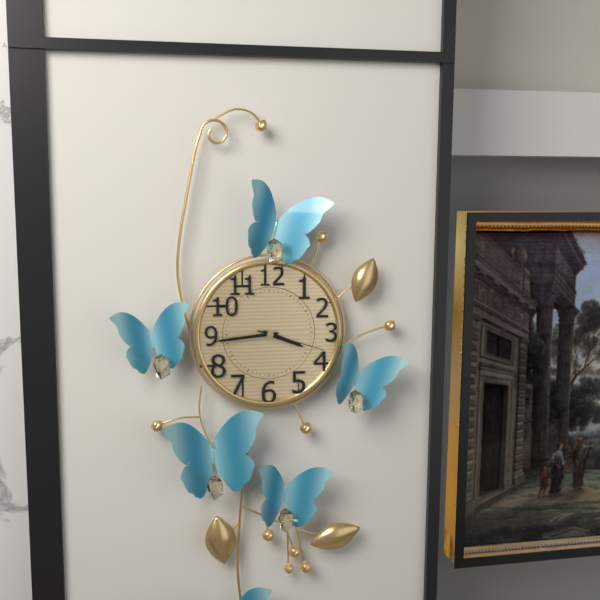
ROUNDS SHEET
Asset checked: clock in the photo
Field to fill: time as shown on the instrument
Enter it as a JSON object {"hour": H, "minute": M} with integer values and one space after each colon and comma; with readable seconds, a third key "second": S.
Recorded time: {"hour": 3, "minute": 44, "second": 18}
